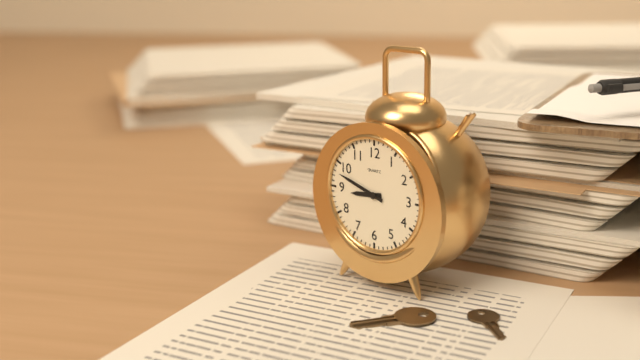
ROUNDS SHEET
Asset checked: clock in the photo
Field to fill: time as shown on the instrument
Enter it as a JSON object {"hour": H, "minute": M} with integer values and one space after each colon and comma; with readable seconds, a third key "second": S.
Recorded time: {"hour": 8, "minute": 48}
